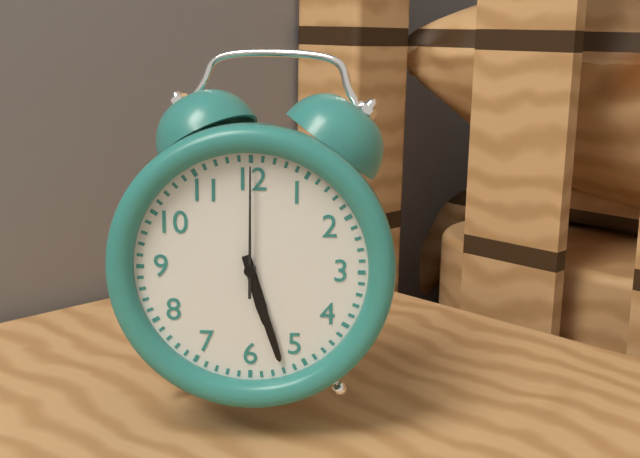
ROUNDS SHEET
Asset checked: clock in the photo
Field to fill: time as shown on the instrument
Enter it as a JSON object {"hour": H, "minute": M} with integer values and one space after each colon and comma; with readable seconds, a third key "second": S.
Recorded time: {"hour": 5, "minute": 27, "second": 0}
